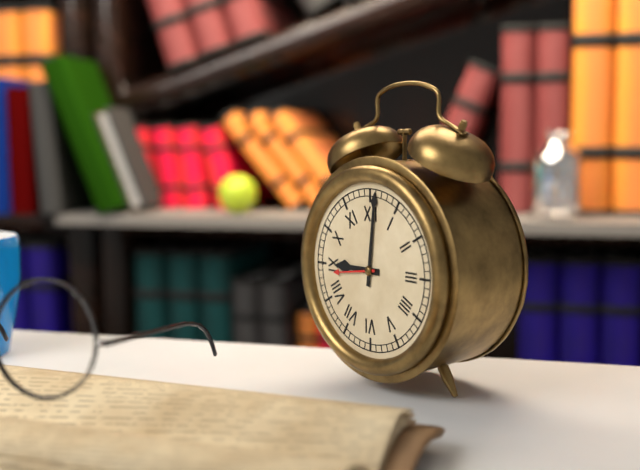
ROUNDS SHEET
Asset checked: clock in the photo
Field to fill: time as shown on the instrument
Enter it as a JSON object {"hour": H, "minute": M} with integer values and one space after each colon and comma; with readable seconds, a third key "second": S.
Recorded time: {"hour": 9, "minute": 1}
